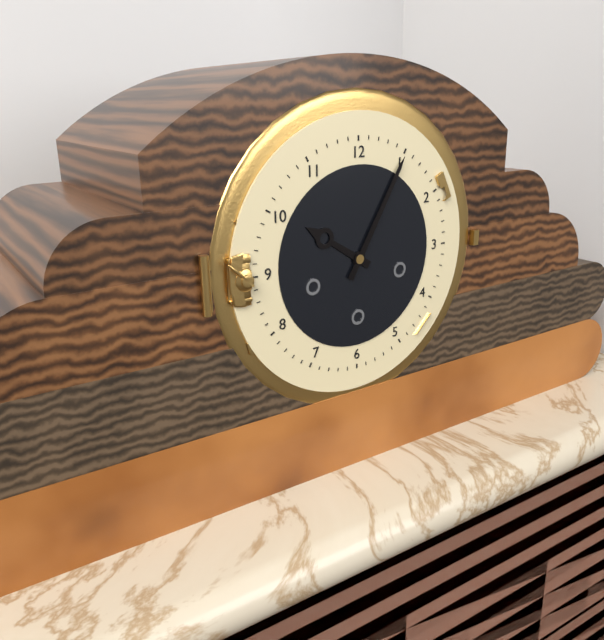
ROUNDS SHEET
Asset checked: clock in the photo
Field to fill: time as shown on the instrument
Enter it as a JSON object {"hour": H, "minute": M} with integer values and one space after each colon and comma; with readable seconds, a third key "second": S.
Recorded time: {"hour": 10, "minute": 5}
